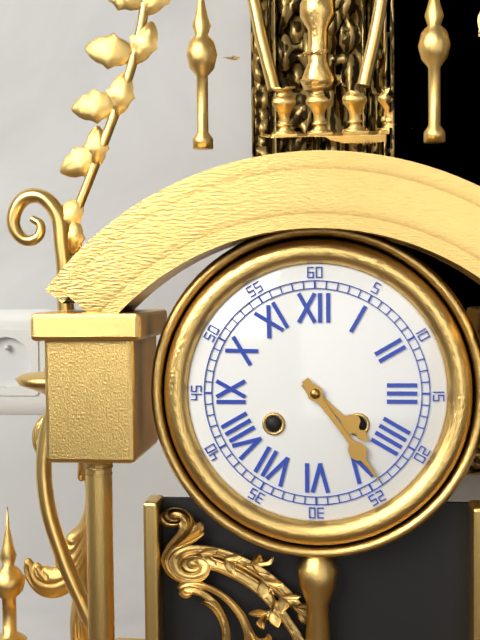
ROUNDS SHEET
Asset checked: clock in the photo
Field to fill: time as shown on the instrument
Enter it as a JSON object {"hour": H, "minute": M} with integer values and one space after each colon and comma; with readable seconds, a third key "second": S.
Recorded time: {"hour": 4, "minute": 24}
